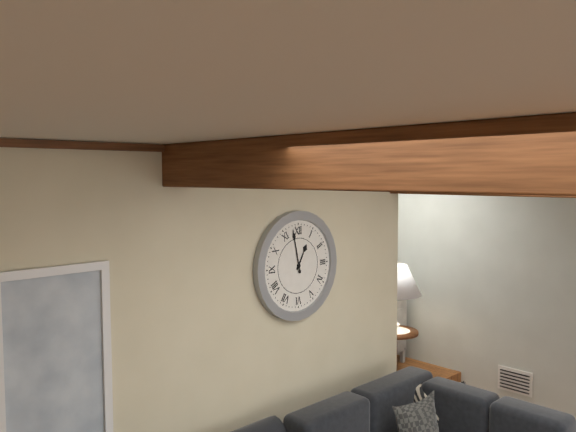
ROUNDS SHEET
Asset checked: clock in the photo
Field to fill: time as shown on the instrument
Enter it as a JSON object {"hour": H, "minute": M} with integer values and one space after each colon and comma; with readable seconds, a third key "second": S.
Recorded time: {"hour": 12, "minute": 58}
